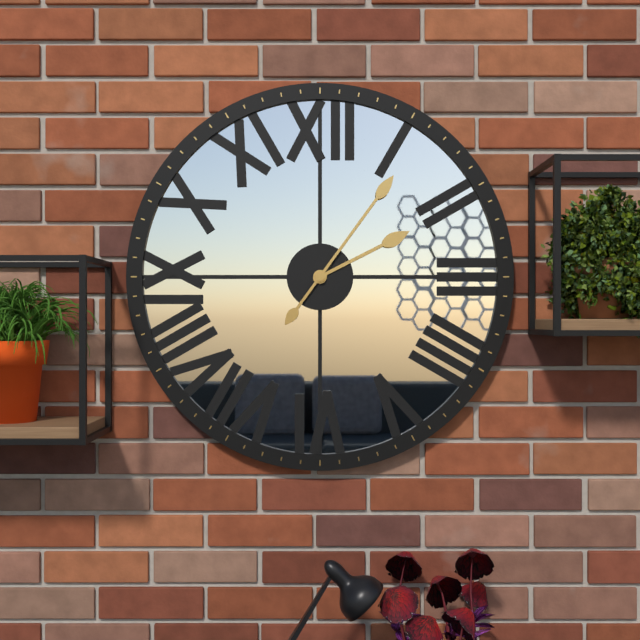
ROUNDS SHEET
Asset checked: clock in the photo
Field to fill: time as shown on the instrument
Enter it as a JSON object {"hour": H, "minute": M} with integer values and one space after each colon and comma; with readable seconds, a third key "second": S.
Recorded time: {"hour": 2, "minute": 6}
